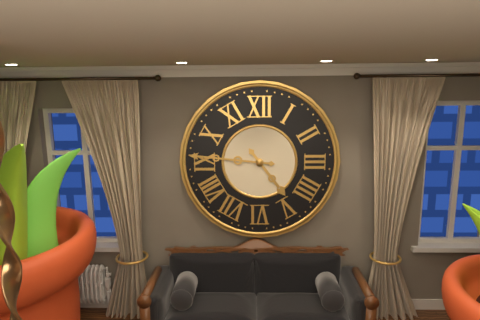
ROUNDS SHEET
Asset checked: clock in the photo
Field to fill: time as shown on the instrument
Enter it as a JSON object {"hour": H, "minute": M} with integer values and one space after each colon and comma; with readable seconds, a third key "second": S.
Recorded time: {"hour": 4, "minute": 46}
